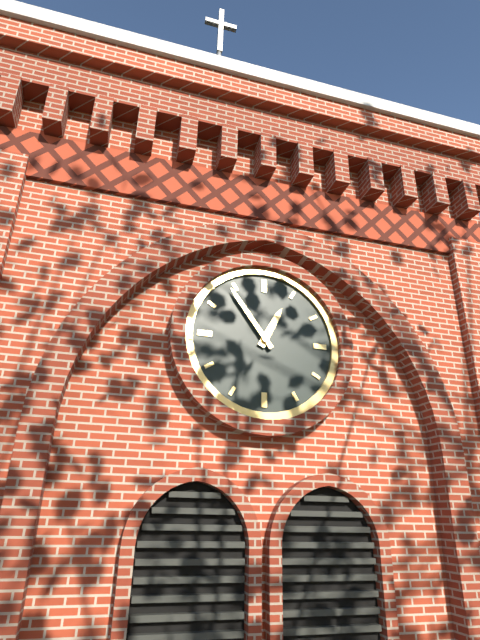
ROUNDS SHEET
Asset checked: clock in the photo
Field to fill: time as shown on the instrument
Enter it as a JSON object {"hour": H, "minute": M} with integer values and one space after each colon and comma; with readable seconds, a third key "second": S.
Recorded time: {"hour": 12, "minute": 54}
